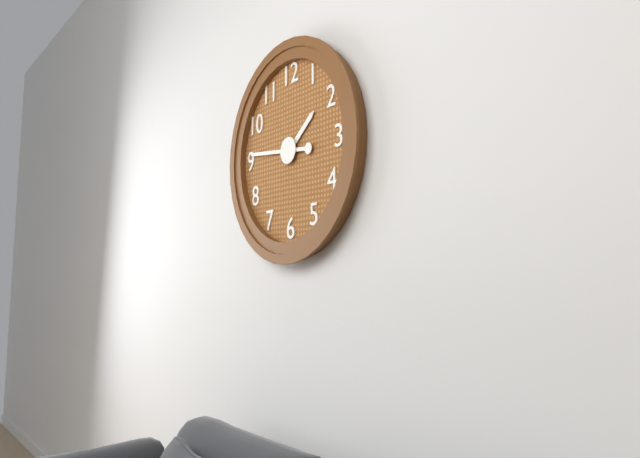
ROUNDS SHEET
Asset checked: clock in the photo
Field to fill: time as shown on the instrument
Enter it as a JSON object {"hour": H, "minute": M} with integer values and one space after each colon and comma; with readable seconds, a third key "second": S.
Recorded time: {"hour": 1, "minute": 46}
